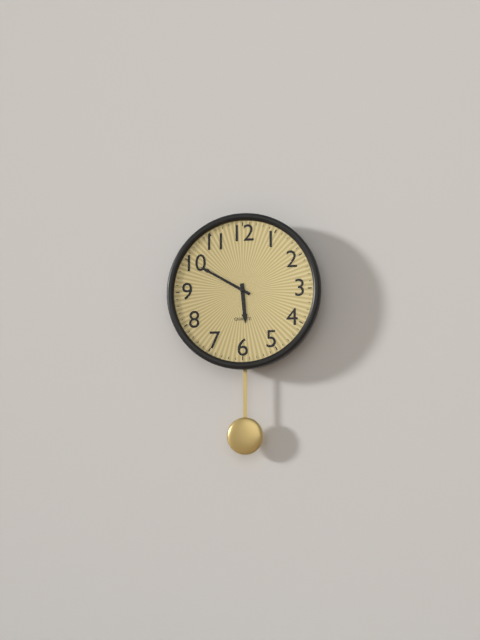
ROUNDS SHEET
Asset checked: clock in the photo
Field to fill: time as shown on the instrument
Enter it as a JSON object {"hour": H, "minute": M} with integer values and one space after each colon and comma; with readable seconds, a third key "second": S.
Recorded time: {"hour": 5, "minute": 50}
